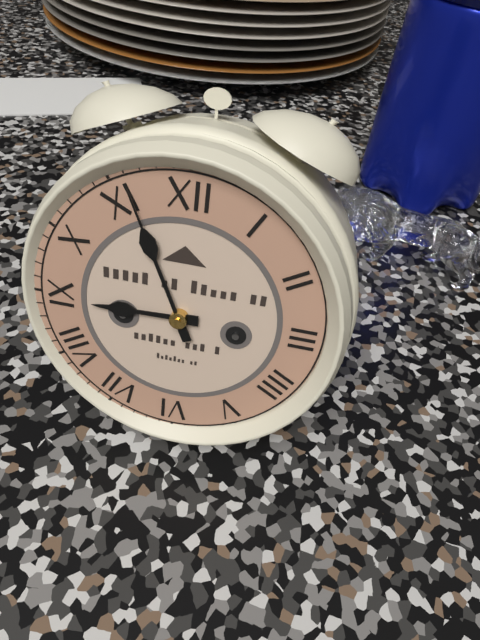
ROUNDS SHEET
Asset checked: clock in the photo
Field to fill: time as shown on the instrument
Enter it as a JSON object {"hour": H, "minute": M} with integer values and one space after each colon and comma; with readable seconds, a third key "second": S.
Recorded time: {"hour": 8, "minute": 56}
